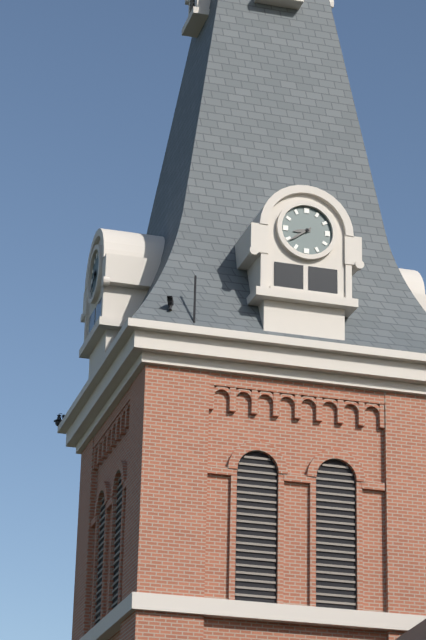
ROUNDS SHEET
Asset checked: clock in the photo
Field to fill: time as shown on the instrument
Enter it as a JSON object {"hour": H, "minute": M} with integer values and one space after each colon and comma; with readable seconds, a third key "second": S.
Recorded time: {"hour": 8, "minute": 39}
